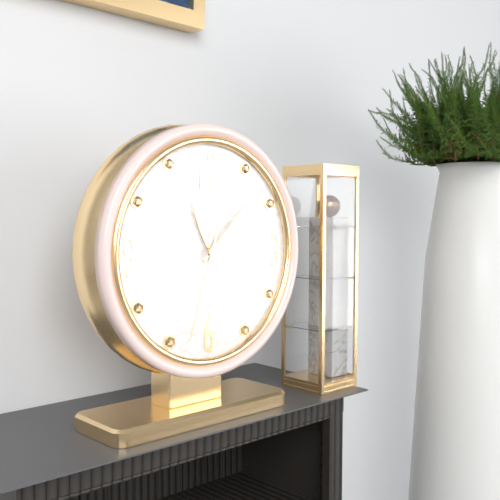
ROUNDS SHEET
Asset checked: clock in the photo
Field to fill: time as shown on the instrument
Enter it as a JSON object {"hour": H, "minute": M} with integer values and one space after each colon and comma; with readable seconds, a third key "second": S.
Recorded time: {"hour": 11, "minute": 8, "second": 33}
